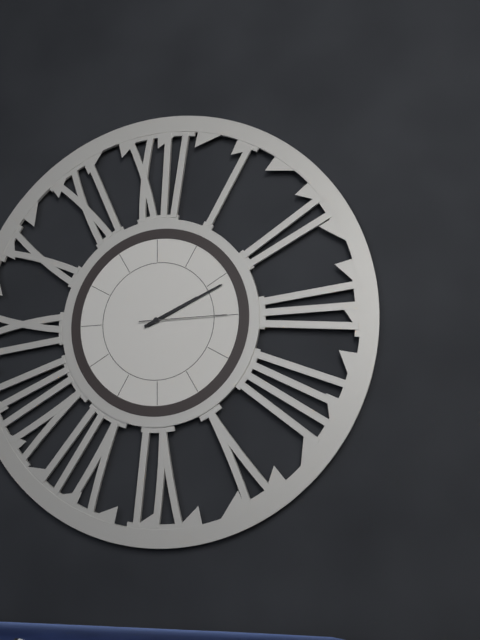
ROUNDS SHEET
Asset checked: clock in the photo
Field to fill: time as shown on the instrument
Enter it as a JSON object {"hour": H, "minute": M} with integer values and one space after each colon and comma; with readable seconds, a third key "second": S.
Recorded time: {"hour": 2, "minute": 11, "second": 15}
